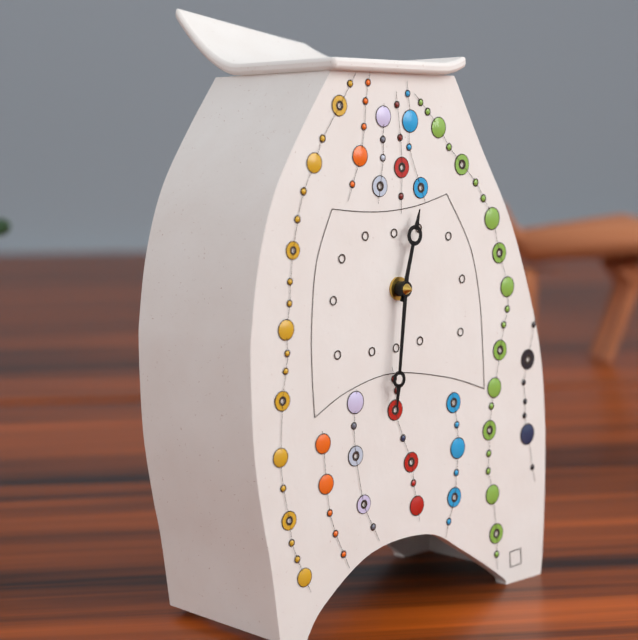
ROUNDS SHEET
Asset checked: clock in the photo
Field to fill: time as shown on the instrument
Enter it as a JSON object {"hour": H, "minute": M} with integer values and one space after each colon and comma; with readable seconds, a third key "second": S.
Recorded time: {"hour": 12, "minute": 31}
